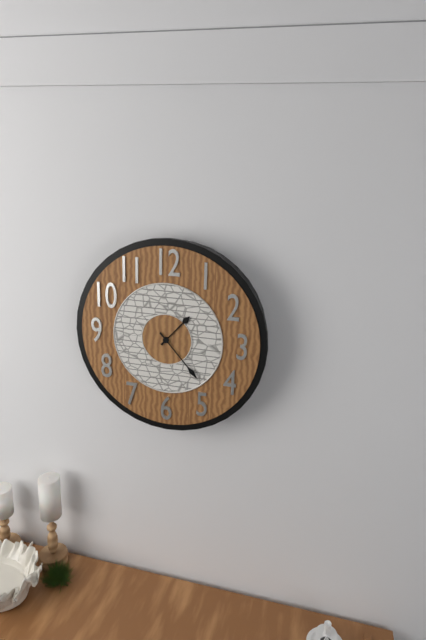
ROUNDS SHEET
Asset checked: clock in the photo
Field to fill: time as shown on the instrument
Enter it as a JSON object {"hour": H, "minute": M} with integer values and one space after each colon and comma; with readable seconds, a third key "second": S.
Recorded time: {"hour": 1, "minute": 23}
